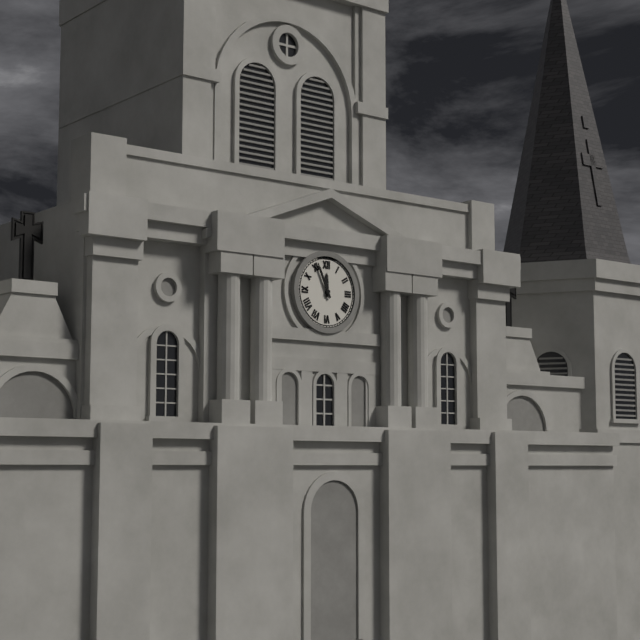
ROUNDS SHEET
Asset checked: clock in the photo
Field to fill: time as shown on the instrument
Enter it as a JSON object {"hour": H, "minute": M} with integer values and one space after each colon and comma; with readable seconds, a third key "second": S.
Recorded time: {"hour": 11, "minute": 56}
